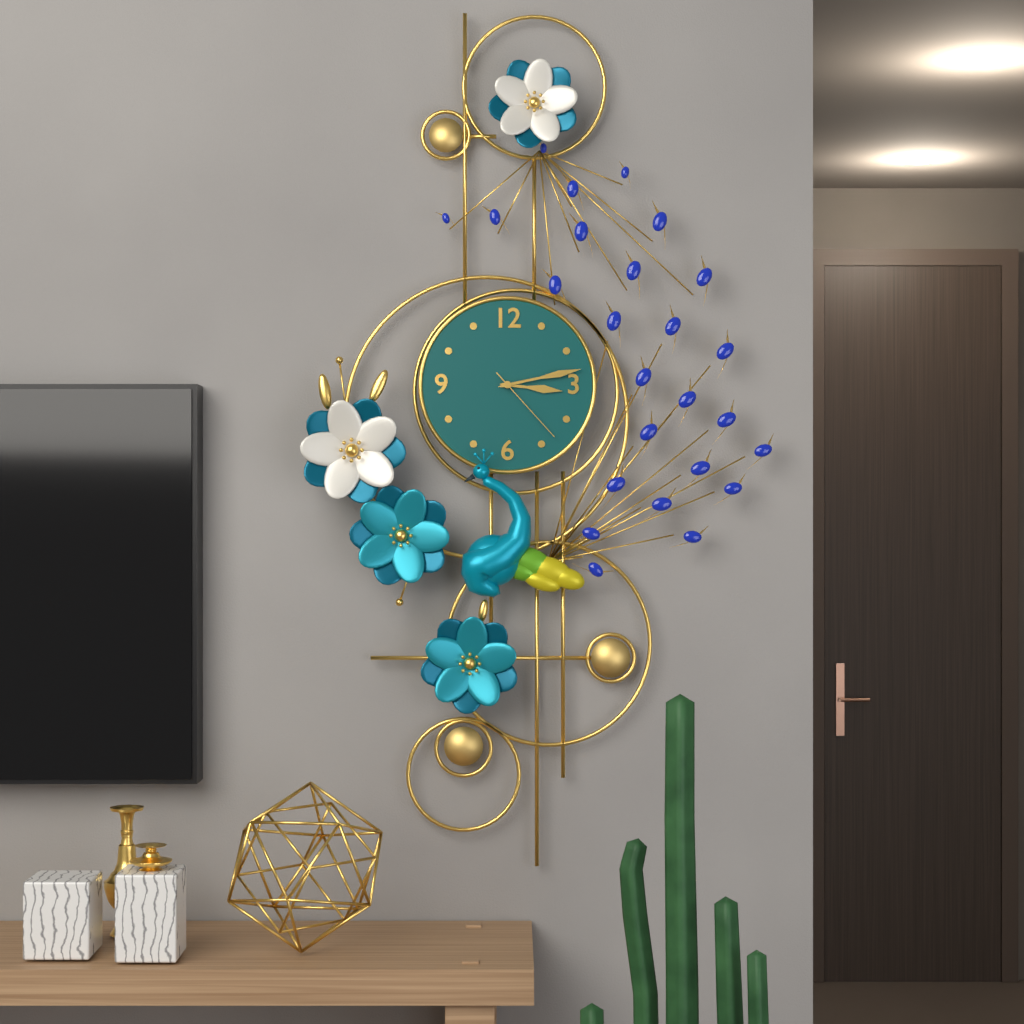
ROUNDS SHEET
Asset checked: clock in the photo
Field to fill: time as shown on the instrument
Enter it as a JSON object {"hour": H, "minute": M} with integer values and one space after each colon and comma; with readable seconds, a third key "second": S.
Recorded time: {"hour": 3, "minute": 13, "second": 23}
